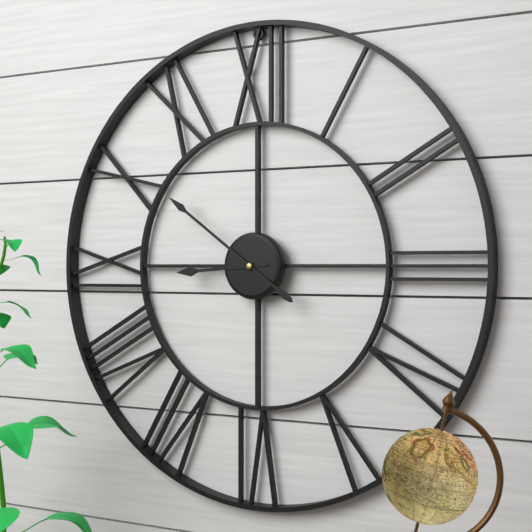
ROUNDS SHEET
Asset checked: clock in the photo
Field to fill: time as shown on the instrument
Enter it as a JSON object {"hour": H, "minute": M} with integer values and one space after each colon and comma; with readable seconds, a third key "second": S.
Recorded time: {"hour": 8, "minute": 51}
